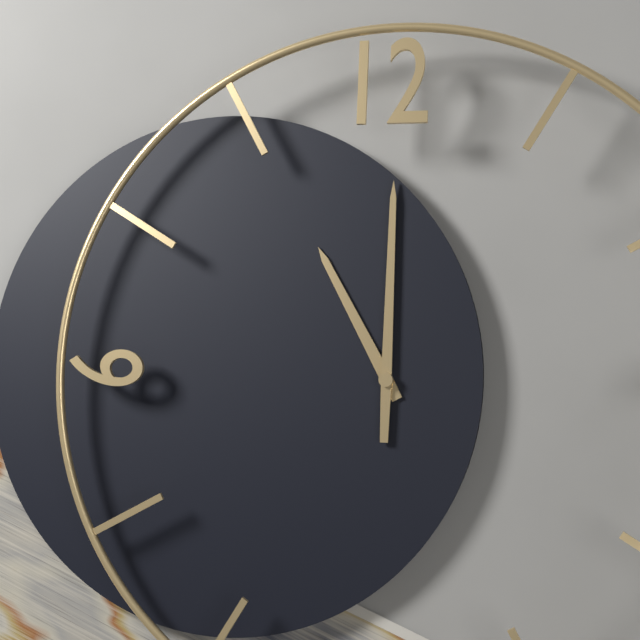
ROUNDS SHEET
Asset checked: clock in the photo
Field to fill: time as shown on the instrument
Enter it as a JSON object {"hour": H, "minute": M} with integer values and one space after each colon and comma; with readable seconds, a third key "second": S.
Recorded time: {"hour": 11, "minute": 0}
